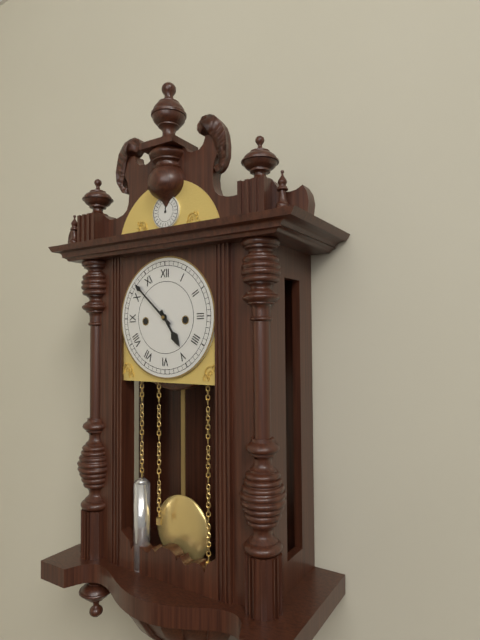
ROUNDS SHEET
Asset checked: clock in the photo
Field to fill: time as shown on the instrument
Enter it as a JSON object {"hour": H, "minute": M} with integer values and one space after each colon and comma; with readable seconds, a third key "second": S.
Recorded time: {"hour": 4, "minute": 52}
